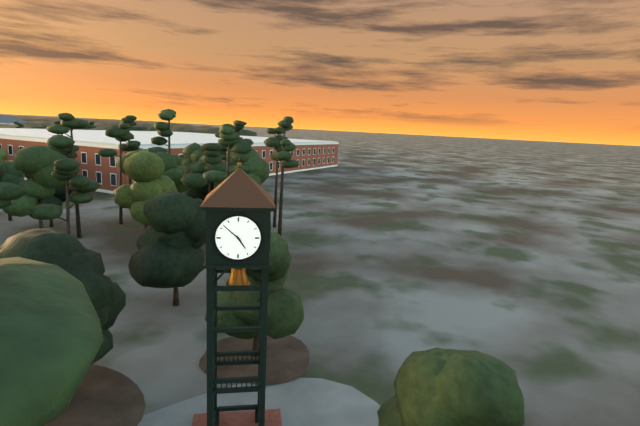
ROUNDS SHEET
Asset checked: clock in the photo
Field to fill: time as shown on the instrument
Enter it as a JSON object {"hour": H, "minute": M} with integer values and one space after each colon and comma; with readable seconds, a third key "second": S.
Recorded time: {"hour": 4, "minute": 52}
